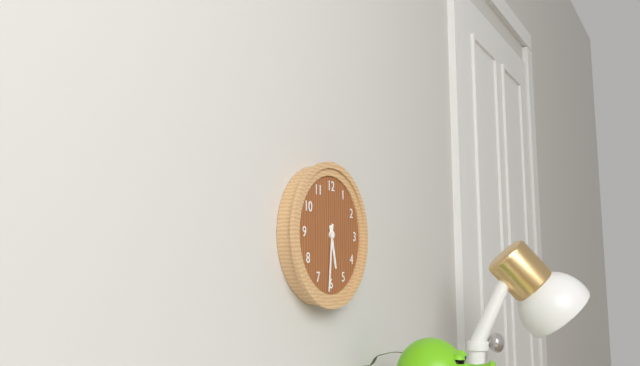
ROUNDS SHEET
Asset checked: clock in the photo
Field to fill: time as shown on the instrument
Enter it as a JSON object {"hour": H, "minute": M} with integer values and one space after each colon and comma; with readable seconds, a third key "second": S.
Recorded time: {"hour": 5, "minute": 31}
